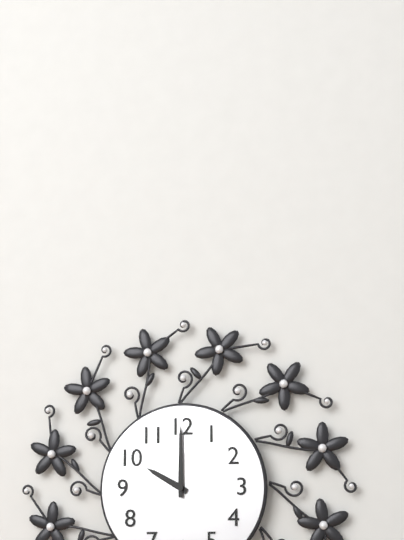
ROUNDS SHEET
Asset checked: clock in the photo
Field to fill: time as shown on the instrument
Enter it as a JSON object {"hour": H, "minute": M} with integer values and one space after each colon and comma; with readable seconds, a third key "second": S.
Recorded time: {"hour": 10, "minute": 0}
